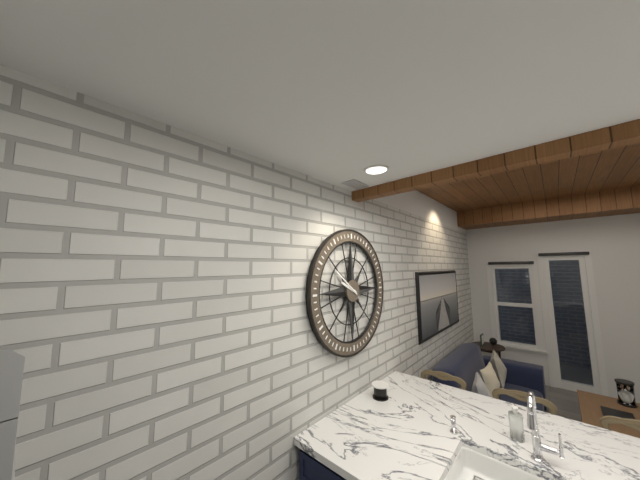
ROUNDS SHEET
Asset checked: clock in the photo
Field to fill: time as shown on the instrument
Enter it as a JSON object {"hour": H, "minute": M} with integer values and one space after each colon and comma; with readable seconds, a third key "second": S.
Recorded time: {"hour": 9, "minute": 51}
